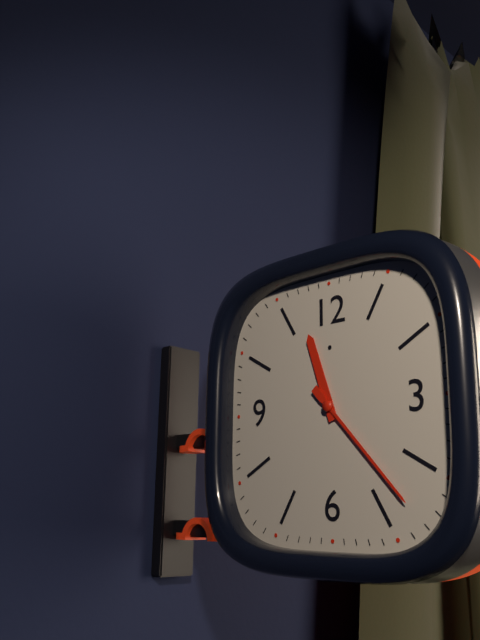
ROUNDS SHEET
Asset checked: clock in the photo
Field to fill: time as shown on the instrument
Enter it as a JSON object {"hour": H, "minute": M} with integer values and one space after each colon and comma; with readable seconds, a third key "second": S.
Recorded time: {"hour": 11, "minute": 23}
